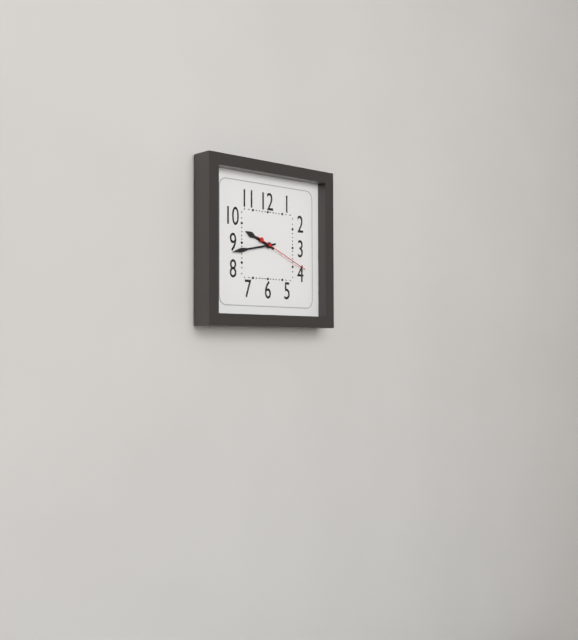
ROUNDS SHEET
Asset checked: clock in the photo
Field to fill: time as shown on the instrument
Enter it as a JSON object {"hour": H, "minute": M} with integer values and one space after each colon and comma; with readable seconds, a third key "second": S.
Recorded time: {"hour": 9, "minute": 43, "second": 19}
